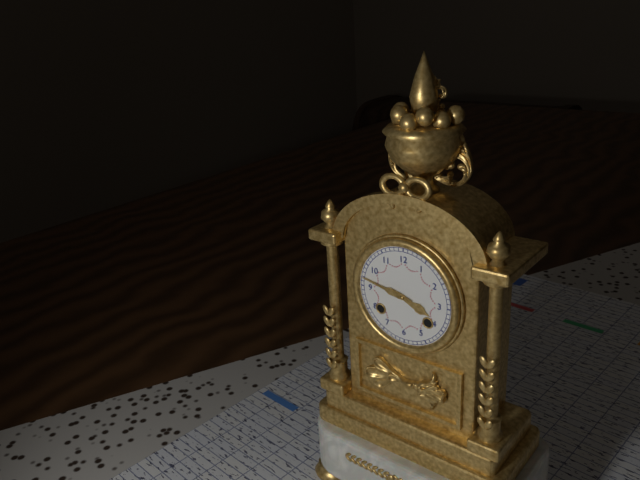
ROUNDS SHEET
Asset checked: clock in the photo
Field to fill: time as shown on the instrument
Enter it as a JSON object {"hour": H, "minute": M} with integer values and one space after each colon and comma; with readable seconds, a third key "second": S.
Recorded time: {"hour": 3, "minute": 47}
